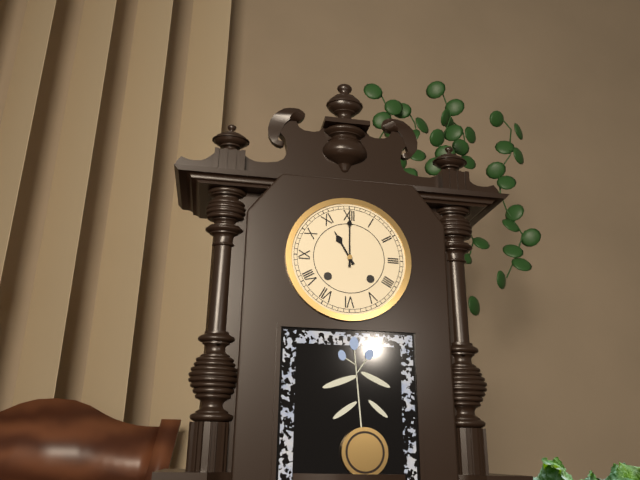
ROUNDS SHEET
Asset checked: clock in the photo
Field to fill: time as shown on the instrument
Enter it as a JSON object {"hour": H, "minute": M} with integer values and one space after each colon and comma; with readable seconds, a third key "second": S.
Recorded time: {"hour": 11, "minute": 0}
